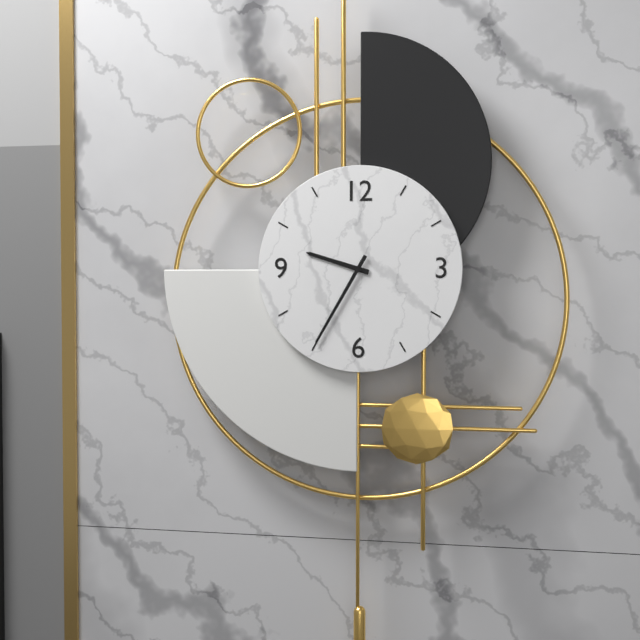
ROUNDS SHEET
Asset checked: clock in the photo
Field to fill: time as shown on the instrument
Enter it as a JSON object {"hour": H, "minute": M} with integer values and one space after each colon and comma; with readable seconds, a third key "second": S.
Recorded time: {"hour": 9, "minute": 35}
